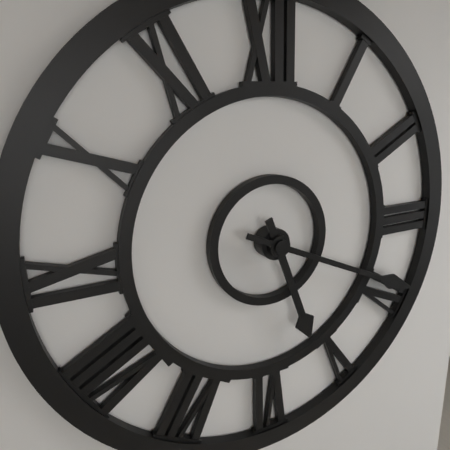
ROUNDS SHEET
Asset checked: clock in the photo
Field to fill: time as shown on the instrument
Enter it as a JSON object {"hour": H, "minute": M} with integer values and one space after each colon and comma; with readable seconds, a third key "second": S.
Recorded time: {"hour": 5, "minute": 19}
